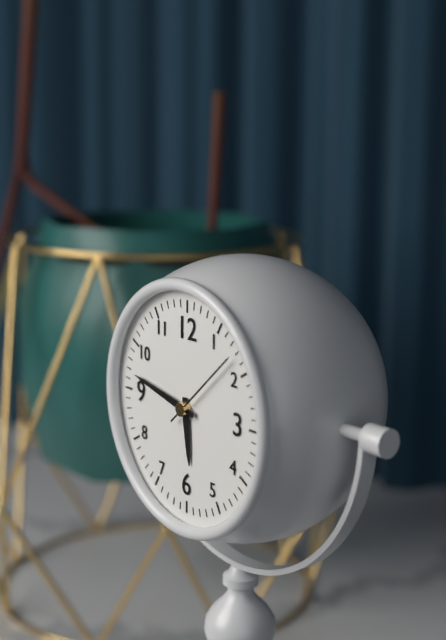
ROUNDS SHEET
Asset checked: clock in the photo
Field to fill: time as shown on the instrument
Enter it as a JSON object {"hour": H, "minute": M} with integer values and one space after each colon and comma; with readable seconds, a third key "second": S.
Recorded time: {"hour": 5, "minute": 47, "second": 8}
